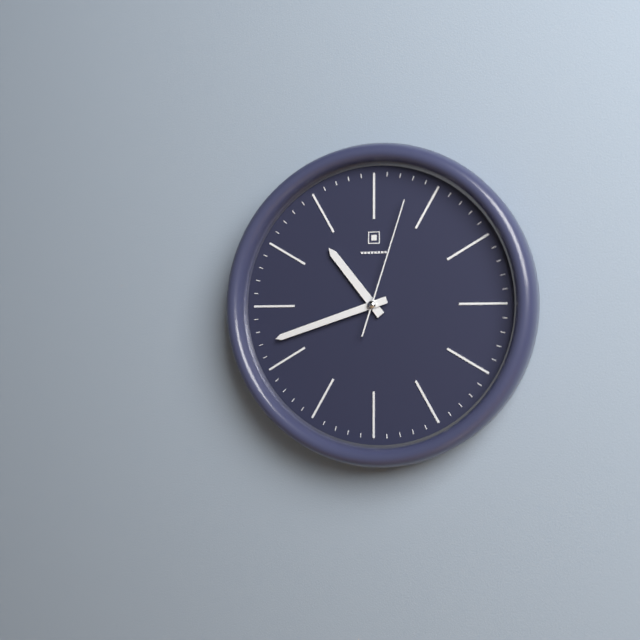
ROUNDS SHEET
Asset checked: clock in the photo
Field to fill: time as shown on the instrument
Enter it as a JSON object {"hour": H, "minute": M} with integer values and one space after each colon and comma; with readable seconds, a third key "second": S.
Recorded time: {"hour": 10, "minute": 42, "second": 3}
